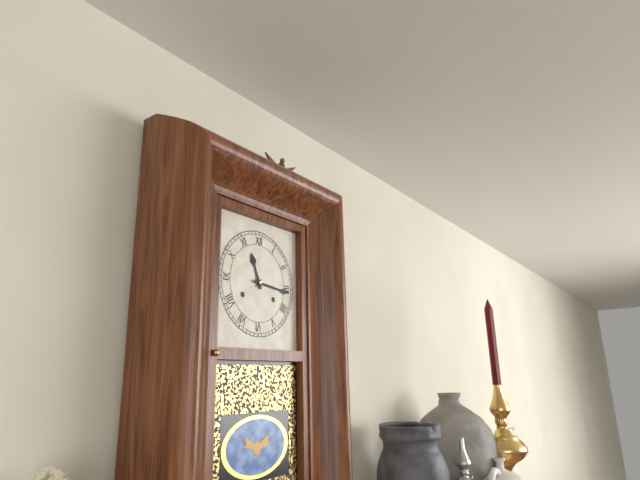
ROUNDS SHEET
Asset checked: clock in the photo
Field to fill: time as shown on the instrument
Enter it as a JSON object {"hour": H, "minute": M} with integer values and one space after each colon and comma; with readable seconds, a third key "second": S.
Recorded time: {"hour": 11, "minute": 16}
